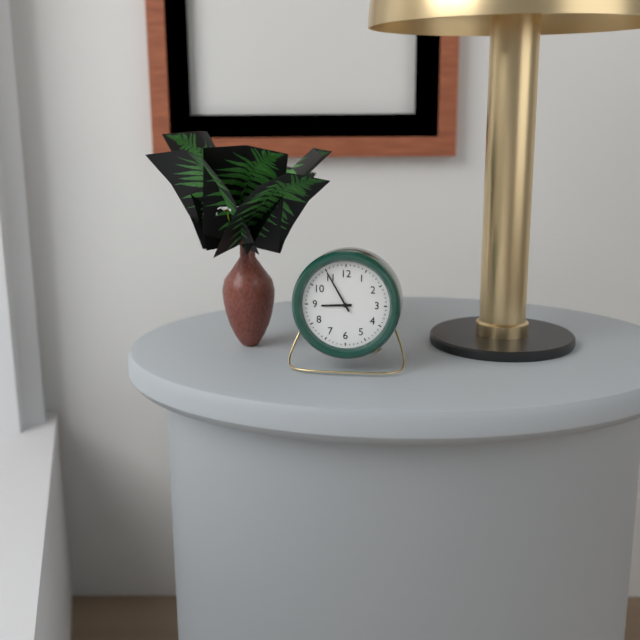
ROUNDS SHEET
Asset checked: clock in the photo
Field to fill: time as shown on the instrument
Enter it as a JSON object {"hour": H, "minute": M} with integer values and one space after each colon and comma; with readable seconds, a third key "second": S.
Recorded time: {"hour": 8, "minute": 55}
